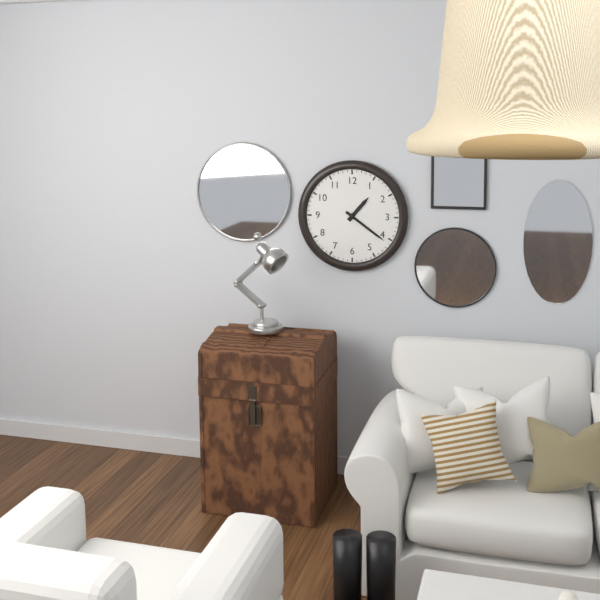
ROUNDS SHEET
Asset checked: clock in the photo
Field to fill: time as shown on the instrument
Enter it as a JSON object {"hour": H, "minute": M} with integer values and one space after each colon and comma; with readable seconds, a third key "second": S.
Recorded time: {"hour": 1, "minute": 21}
